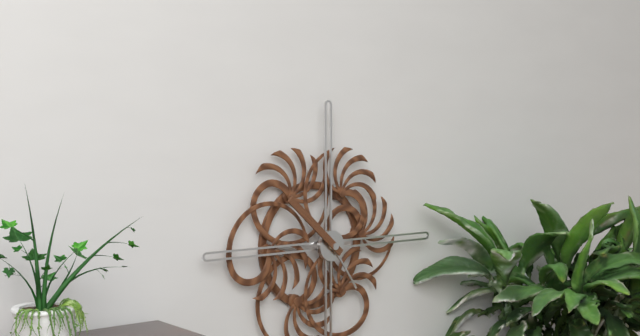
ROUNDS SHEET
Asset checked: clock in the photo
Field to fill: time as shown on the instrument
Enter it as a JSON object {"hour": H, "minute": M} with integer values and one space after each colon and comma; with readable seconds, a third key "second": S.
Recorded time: {"hour": 4, "minute": 52}
